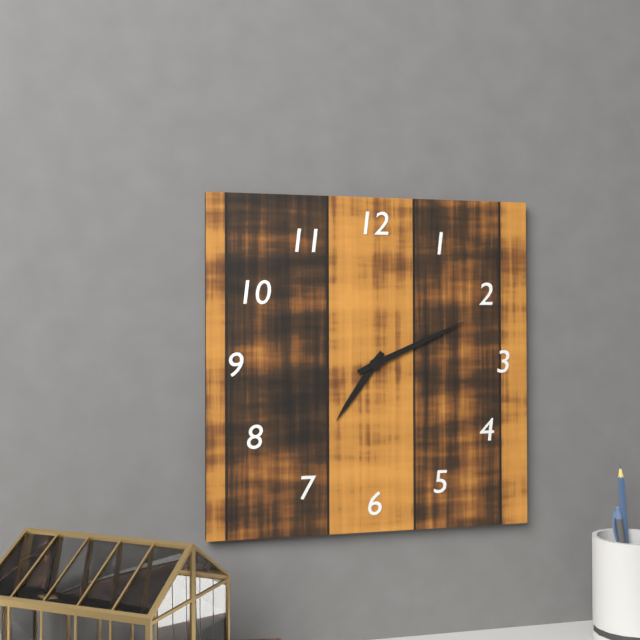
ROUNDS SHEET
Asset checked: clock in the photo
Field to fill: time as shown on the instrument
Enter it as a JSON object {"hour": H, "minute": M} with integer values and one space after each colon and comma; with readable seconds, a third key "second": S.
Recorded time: {"hour": 7, "minute": 11}
